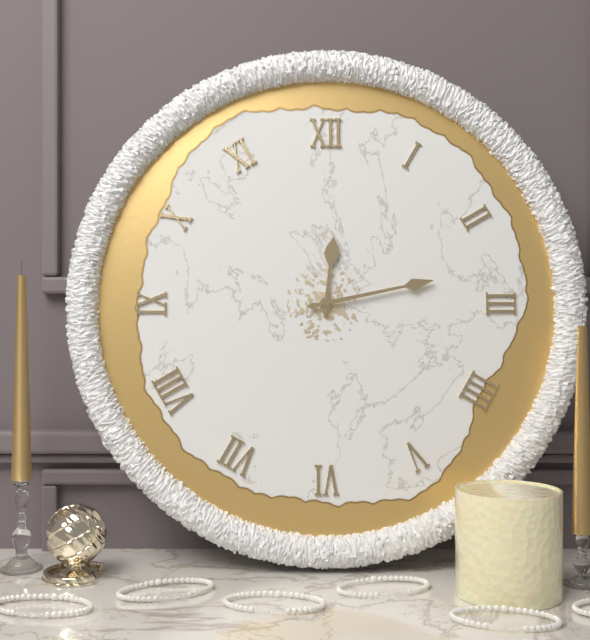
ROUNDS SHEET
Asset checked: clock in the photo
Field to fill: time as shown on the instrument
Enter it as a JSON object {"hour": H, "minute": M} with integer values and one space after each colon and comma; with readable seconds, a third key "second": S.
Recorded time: {"hour": 12, "minute": 13}
